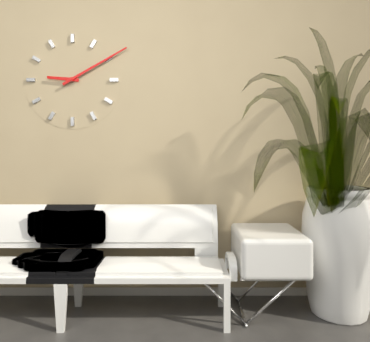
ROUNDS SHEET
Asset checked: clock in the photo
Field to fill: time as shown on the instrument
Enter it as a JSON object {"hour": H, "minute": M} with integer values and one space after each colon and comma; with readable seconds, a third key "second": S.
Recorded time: {"hour": 9, "minute": 10}
